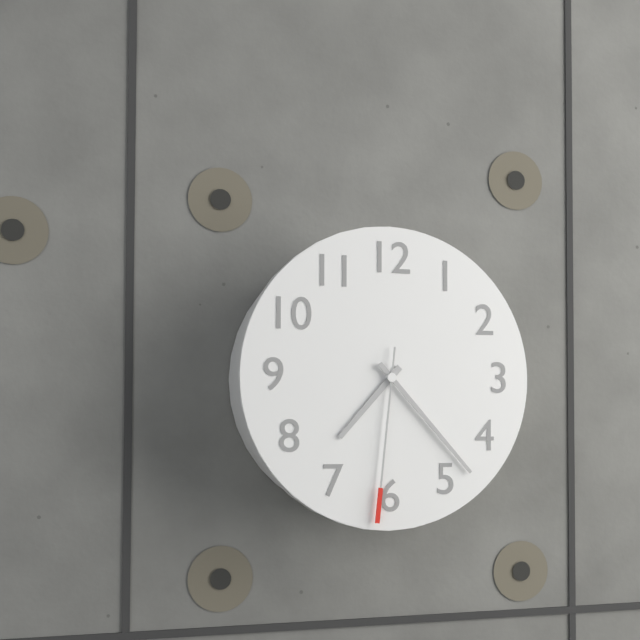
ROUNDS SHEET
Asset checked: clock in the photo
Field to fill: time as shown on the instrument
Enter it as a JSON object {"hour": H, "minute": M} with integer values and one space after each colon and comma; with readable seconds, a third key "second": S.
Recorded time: {"hour": 7, "minute": 23, "second": 31}
